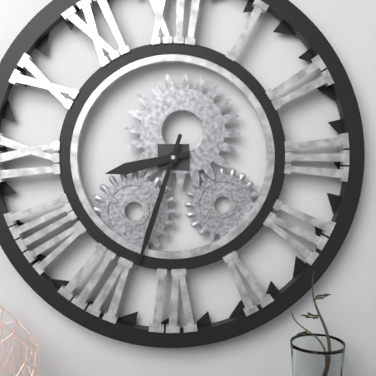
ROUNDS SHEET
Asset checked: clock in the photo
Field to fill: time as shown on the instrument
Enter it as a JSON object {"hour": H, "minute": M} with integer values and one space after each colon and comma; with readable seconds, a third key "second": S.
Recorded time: {"hour": 8, "minute": 33}
